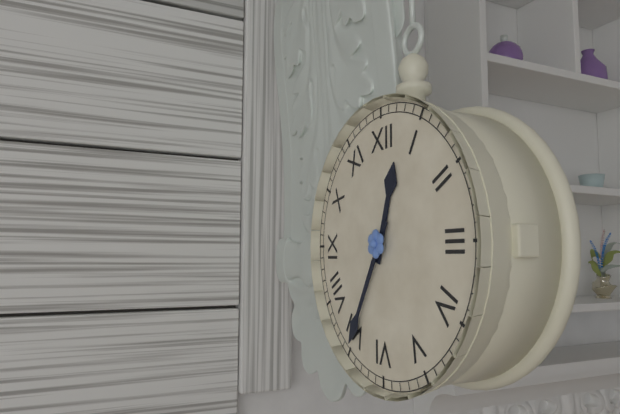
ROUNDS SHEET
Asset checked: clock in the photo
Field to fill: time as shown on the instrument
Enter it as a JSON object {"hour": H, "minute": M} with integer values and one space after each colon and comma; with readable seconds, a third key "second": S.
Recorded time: {"hour": 12, "minute": 35}
